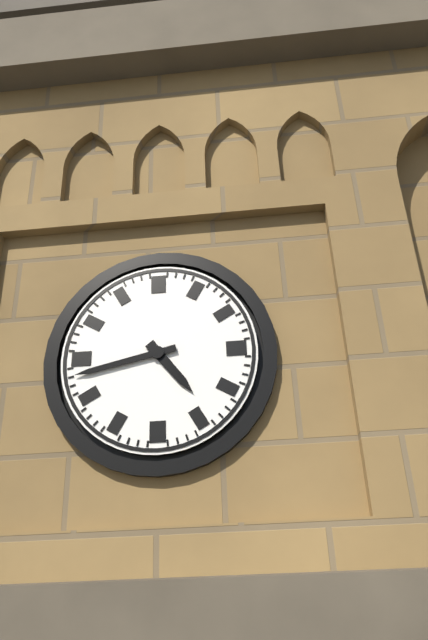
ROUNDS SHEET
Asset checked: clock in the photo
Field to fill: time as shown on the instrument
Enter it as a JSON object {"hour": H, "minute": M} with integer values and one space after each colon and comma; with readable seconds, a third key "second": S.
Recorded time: {"hour": 4, "minute": 43}
